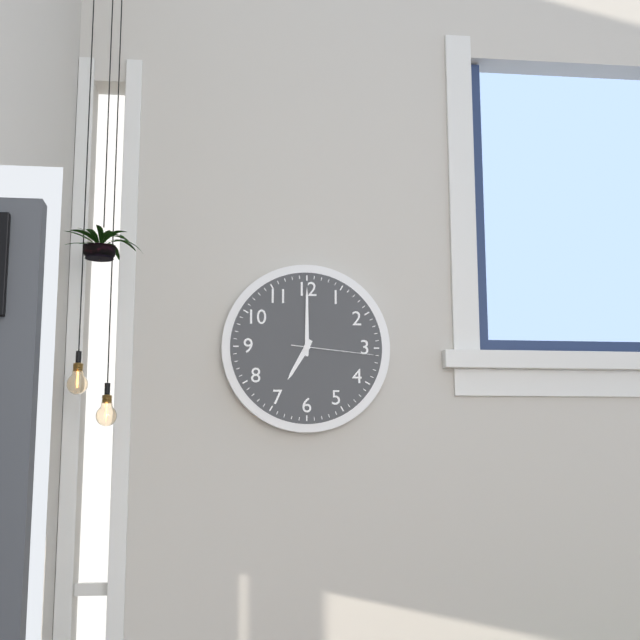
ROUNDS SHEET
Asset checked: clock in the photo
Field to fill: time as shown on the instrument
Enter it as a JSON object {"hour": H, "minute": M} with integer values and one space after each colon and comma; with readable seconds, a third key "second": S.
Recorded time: {"hour": 7, "minute": 0, "second": 16}
